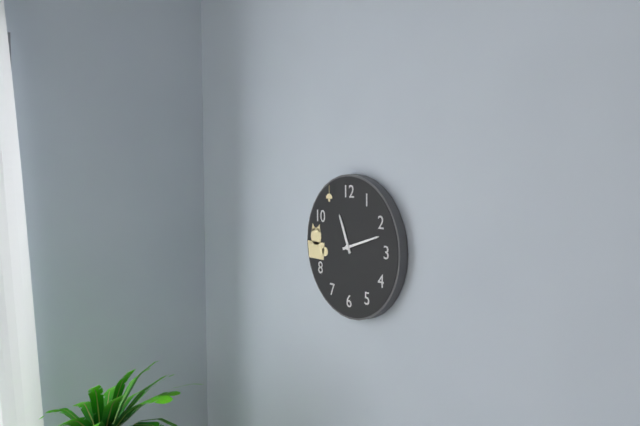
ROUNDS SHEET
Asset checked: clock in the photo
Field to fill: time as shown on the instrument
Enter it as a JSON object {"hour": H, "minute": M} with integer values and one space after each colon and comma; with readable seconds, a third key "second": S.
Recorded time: {"hour": 11, "minute": 12}
